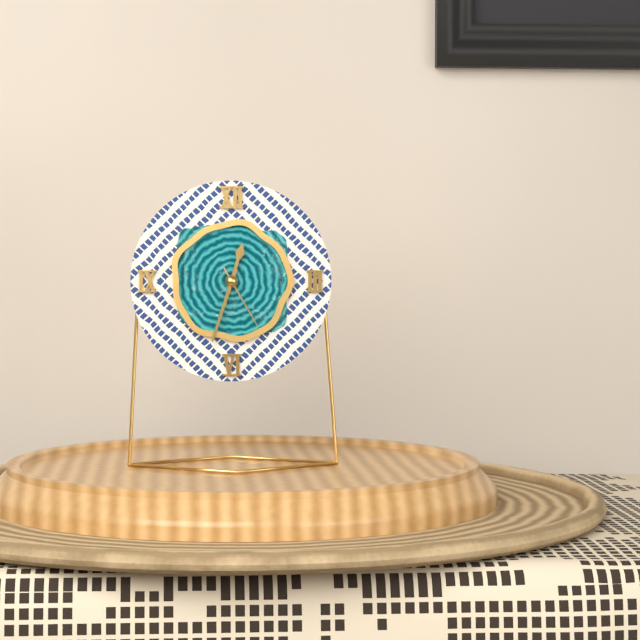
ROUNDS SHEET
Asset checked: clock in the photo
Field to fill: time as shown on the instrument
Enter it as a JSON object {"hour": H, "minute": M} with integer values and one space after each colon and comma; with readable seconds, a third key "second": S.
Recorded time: {"hour": 12, "minute": 33, "second": 25}
